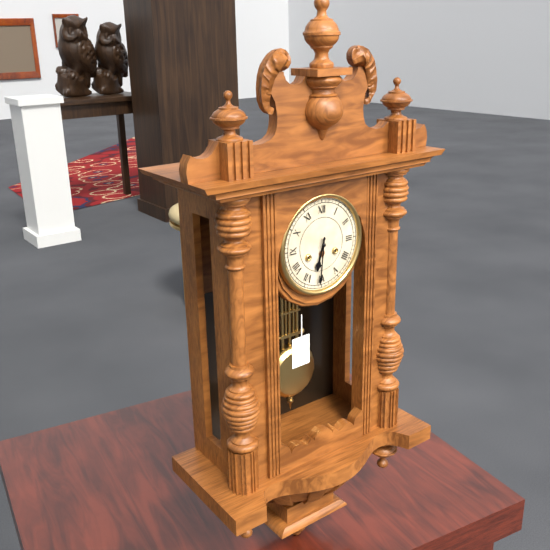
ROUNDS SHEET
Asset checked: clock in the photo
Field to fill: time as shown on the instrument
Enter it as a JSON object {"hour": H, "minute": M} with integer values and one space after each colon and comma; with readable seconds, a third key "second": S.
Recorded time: {"hour": 6, "minute": 31}
